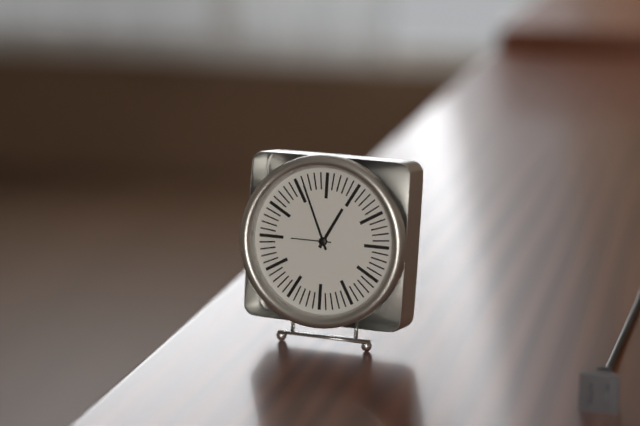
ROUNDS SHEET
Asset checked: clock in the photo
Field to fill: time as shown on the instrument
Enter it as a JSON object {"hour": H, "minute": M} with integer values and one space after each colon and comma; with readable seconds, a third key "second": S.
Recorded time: {"hour": 12, "minute": 56}
